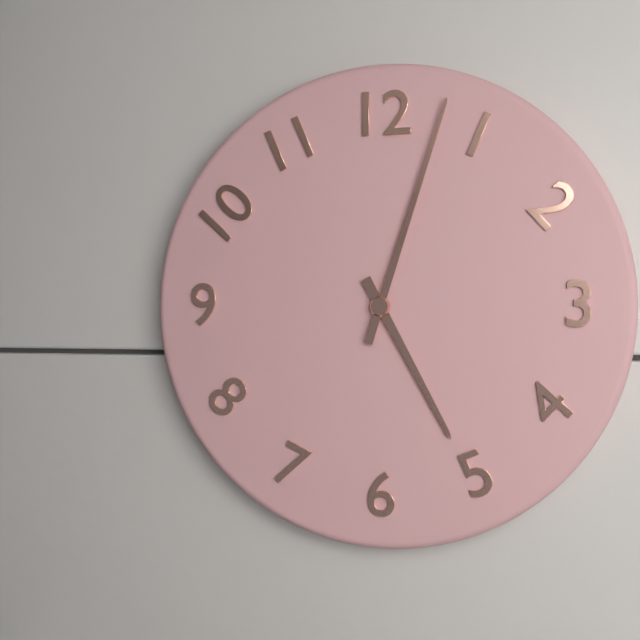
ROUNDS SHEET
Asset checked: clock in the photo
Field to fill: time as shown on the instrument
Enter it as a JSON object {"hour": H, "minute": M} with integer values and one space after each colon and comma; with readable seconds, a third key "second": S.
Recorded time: {"hour": 5, "minute": 3}
